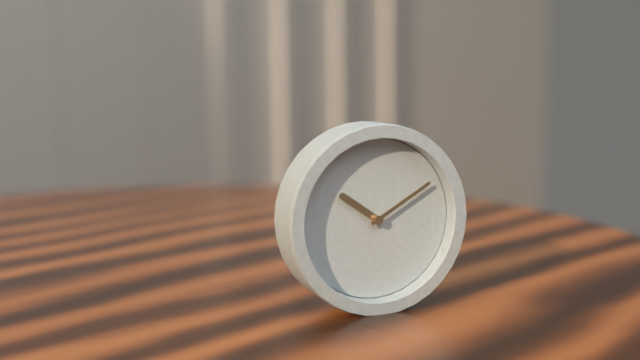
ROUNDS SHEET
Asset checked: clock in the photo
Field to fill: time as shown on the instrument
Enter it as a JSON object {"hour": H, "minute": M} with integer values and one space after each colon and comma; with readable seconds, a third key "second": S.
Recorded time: {"hour": 10, "minute": 10}
